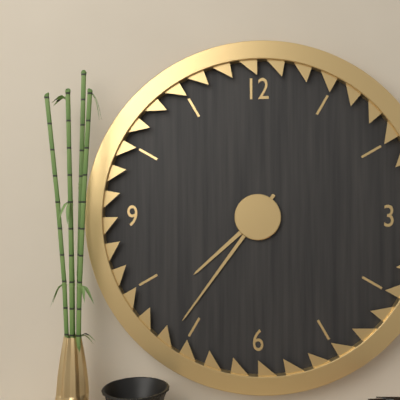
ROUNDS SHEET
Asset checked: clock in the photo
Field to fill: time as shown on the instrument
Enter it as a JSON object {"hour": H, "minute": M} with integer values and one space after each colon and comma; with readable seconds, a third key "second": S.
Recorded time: {"hour": 7, "minute": 36}
